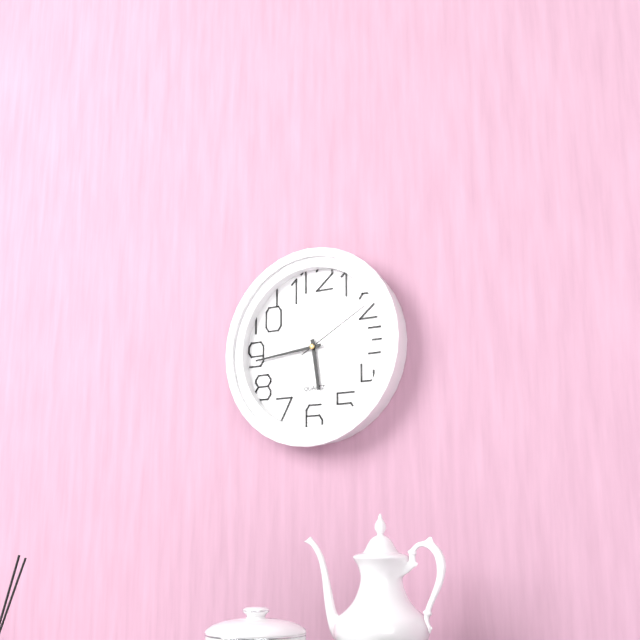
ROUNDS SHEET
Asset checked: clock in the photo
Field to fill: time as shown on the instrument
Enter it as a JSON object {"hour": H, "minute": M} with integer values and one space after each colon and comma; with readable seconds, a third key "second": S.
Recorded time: {"hour": 5, "minute": 44, "second": 10}
